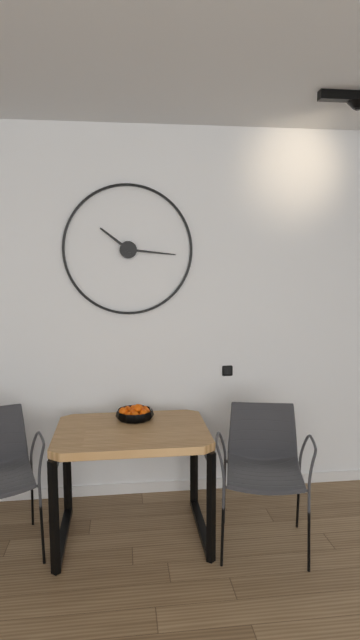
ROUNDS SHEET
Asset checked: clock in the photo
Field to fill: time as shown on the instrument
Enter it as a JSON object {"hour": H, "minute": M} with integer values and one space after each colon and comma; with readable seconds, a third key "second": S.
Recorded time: {"hour": 10, "minute": 16}
